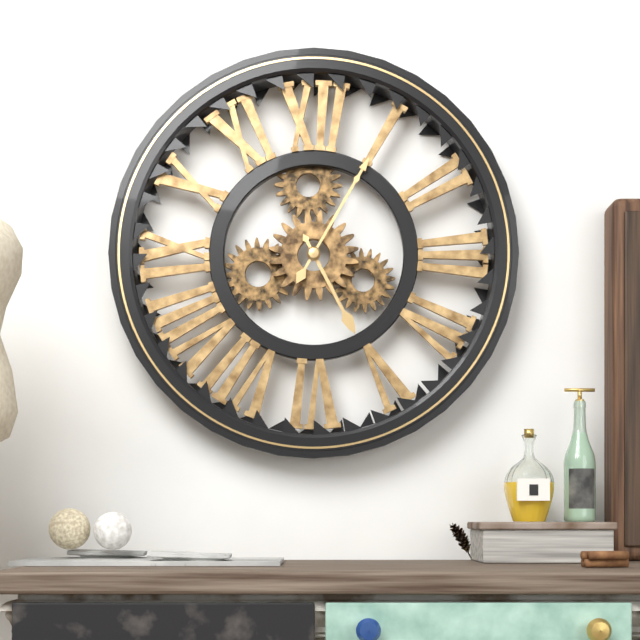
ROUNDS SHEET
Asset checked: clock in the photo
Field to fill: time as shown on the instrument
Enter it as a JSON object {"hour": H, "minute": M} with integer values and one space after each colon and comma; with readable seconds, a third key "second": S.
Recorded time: {"hour": 5, "minute": 5}
